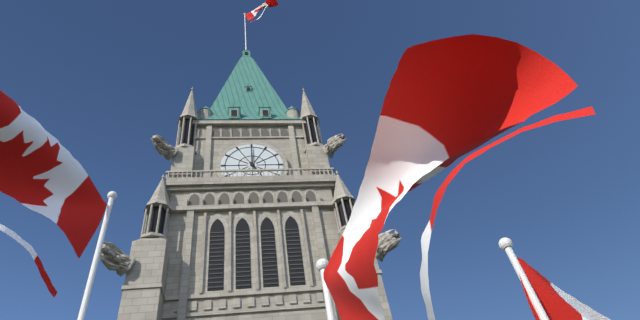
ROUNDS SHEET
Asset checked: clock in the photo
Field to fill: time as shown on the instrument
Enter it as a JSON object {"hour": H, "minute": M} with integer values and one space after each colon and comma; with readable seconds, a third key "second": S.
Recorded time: {"hour": 5, "minute": 0}
